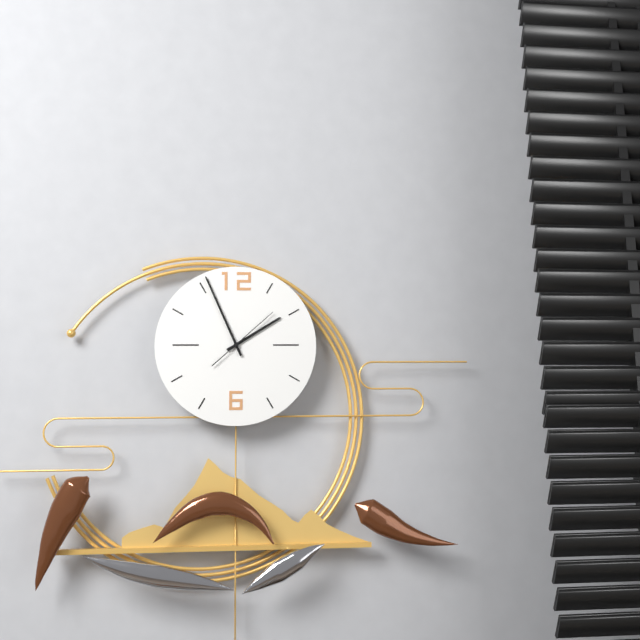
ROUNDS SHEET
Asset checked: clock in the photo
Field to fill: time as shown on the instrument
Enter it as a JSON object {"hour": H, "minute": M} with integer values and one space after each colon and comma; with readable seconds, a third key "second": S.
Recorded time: {"hour": 1, "minute": 56, "second": 8}
